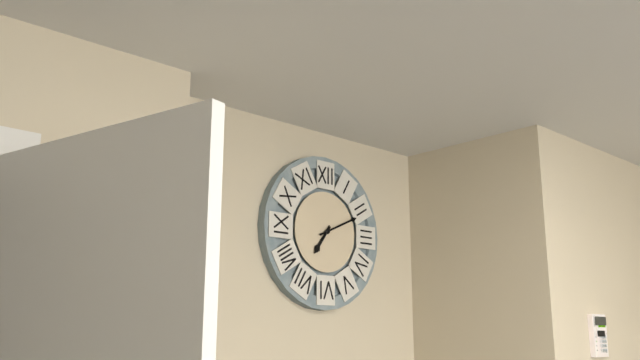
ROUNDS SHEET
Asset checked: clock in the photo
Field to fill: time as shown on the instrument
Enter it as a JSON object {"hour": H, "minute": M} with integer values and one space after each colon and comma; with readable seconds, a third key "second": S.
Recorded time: {"hour": 7, "minute": 11}
